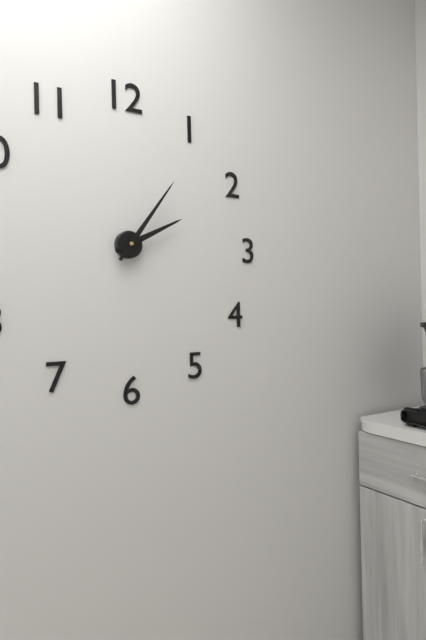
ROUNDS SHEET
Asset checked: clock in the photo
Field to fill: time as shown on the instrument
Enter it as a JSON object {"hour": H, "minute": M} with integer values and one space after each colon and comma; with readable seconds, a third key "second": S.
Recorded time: {"hour": 2, "minute": 6}
